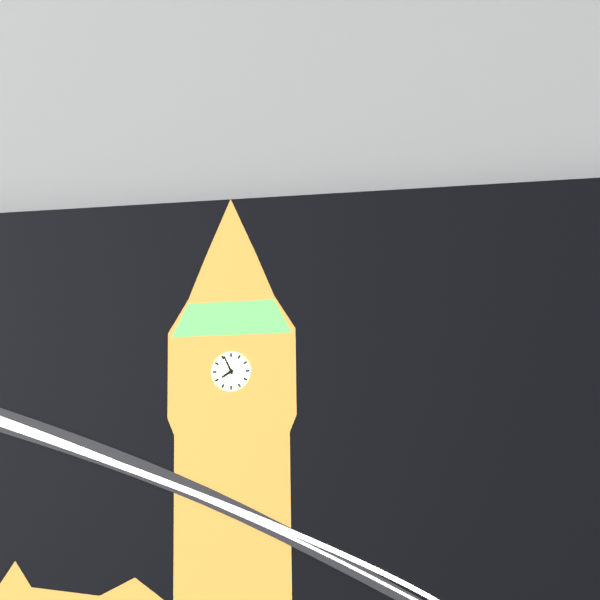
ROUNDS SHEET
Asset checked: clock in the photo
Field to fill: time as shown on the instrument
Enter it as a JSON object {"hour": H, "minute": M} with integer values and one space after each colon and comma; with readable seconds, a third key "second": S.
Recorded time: {"hour": 7, "minute": 56}
